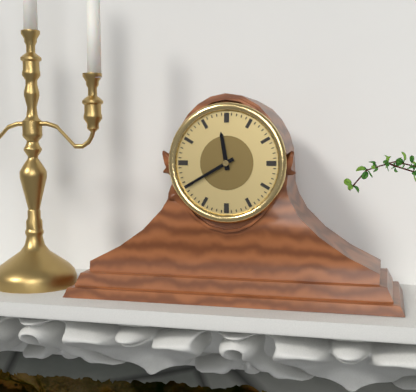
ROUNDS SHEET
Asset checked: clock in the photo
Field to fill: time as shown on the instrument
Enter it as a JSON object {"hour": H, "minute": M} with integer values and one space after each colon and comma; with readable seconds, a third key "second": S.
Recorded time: {"hour": 11, "minute": 40}
